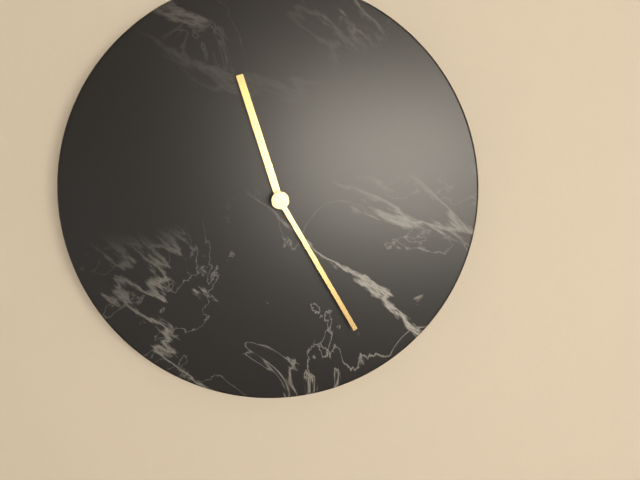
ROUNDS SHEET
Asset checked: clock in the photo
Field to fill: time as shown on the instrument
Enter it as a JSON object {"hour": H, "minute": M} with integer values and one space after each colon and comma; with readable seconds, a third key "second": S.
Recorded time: {"hour": 11, "minute": 25}
